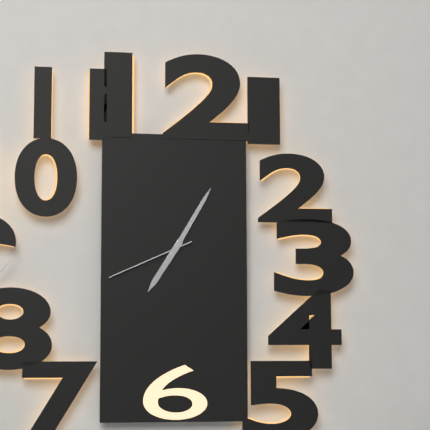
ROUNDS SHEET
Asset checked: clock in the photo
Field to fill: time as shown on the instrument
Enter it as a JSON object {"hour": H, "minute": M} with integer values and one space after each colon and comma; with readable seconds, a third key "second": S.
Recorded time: {"hour": 7, "minute": 5, "second": 41}
